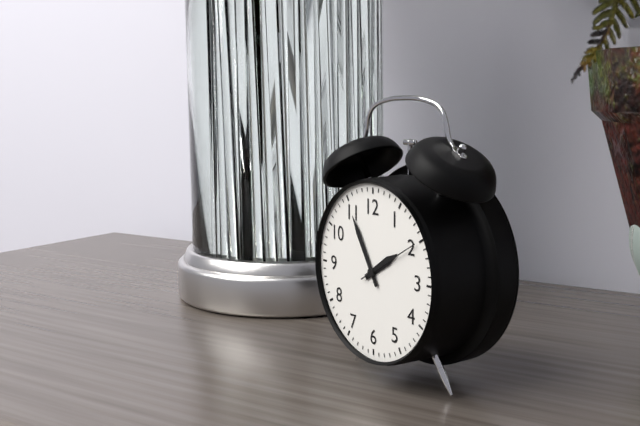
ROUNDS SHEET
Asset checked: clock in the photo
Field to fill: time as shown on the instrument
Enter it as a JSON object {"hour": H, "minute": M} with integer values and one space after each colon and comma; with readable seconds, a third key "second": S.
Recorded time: {"hour": 1, "minute": 55, "second": 10}
